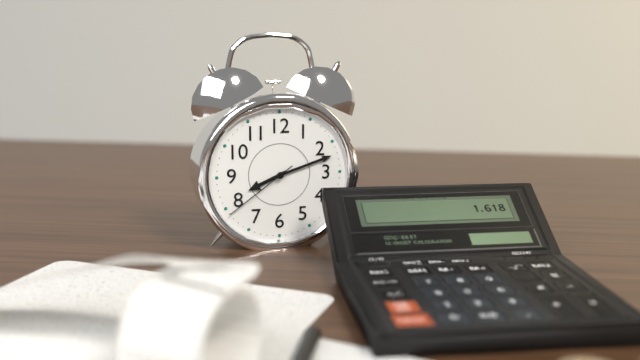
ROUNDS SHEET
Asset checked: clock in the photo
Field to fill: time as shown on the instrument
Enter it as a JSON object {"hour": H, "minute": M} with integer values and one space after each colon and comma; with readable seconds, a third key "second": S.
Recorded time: {"hour": 8, "minute": 12, "second": 39}
